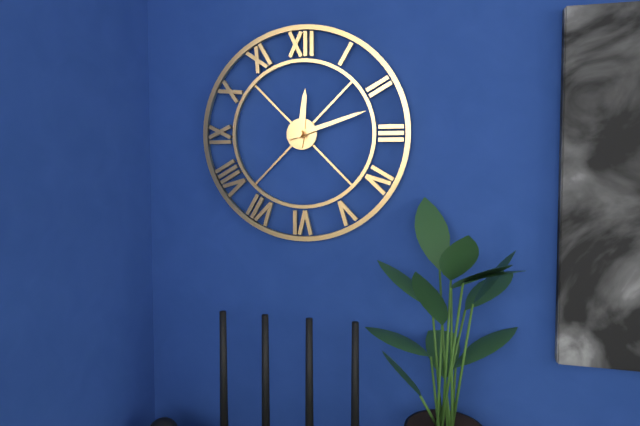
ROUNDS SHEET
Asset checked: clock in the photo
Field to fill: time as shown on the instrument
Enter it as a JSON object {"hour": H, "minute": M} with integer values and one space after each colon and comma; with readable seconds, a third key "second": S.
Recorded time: {"hour": 12, "minute": 12}
